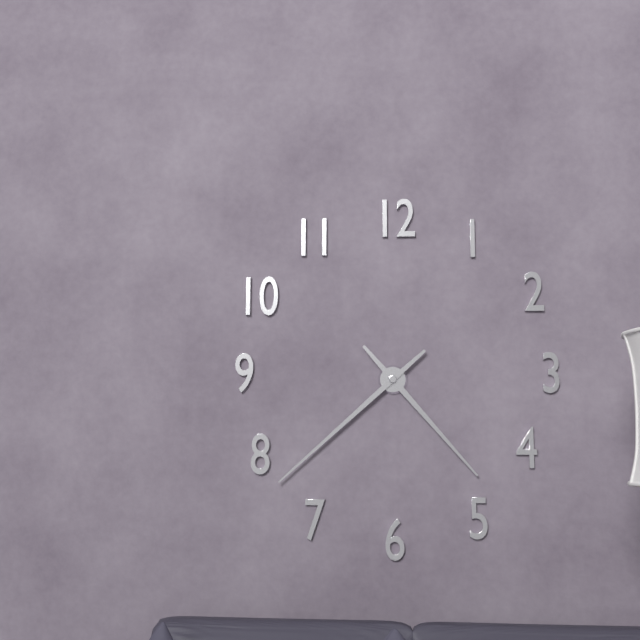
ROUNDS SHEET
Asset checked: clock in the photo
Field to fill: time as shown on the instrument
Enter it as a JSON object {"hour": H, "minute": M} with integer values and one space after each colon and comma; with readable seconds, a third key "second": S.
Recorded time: {"hour": 4, "minute": 38}
